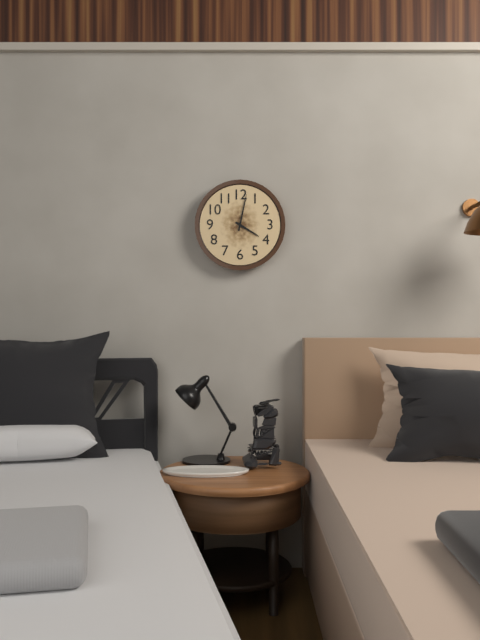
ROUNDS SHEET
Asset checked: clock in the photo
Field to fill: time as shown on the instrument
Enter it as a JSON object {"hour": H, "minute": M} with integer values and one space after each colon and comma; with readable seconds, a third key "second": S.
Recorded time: {"hour": 4, "minute": 2}
